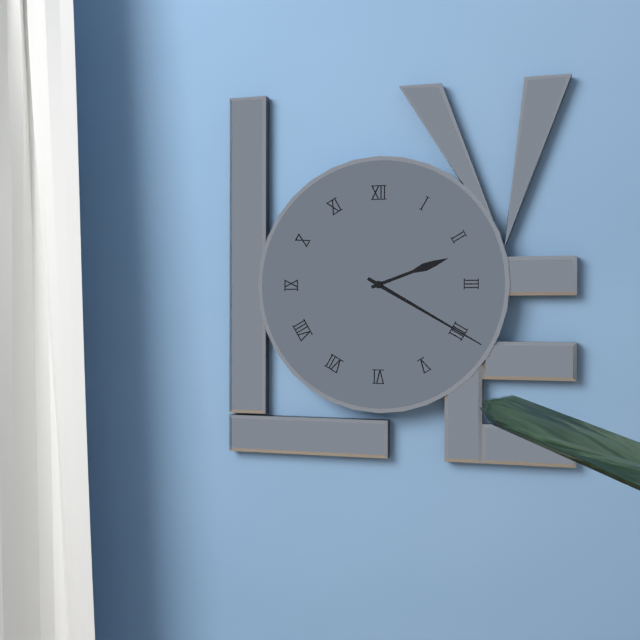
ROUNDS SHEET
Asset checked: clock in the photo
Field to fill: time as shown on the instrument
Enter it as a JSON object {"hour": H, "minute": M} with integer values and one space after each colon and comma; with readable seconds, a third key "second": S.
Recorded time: {"hour": 2, "minute": 20}
